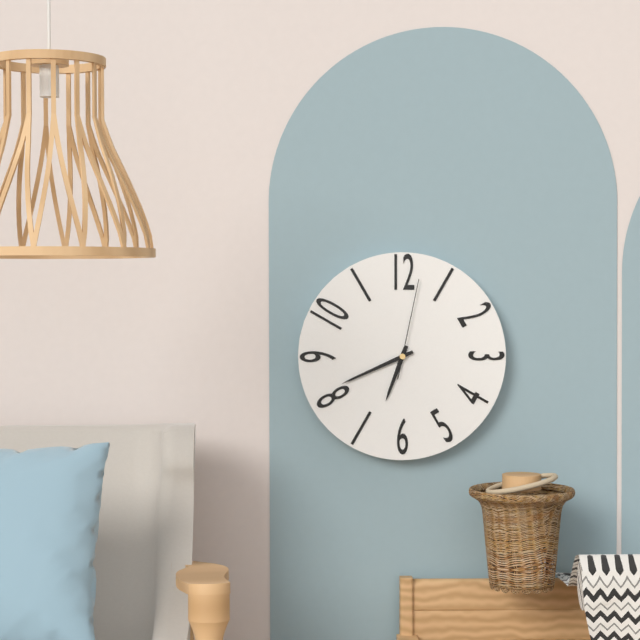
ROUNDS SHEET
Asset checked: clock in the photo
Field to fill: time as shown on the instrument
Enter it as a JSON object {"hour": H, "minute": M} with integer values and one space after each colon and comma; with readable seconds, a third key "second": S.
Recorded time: {"hour": 6, "minute": 41, "second": 2}
